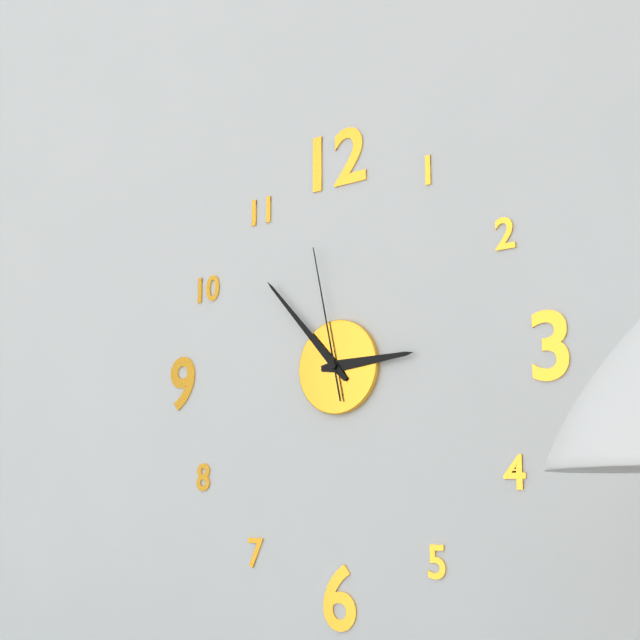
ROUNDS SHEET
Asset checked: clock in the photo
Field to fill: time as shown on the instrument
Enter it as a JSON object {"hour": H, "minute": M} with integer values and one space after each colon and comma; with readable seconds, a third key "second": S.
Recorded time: {"hour": 2, "minute": 53, "second": 58}
